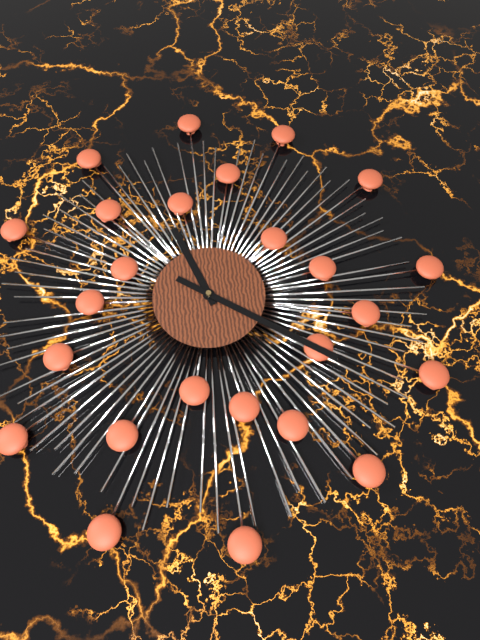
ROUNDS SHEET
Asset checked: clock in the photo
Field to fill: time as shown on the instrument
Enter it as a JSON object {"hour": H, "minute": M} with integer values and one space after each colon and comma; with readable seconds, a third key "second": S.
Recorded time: {"hour": 11, "minute": 21}
